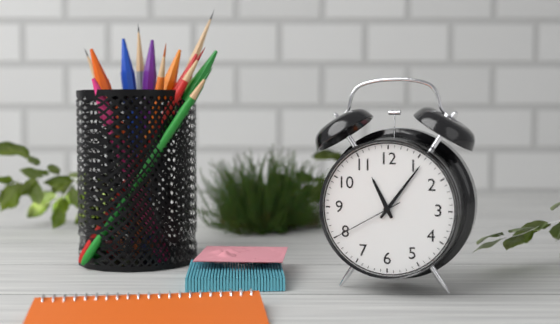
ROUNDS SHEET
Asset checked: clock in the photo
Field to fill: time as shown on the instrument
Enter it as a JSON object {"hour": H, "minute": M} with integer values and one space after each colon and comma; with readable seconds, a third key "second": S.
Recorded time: {"hour": 11, "minute": 6, "second": 40}
